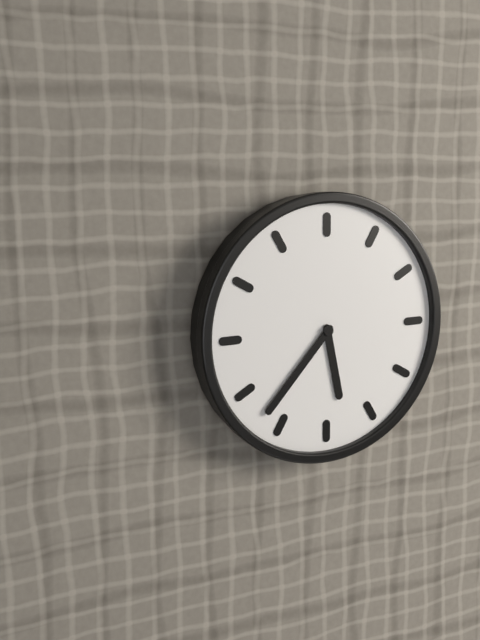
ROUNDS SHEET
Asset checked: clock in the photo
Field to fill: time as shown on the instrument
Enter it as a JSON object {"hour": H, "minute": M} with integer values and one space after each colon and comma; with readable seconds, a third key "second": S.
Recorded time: {"hour": 5, "minute": 37}
